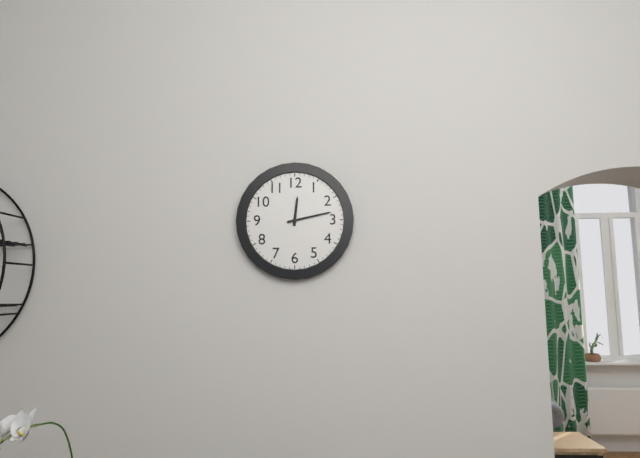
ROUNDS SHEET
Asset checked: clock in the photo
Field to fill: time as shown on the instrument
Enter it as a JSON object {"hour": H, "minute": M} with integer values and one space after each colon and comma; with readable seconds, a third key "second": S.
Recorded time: {"hour": 12, "minute": 13}
